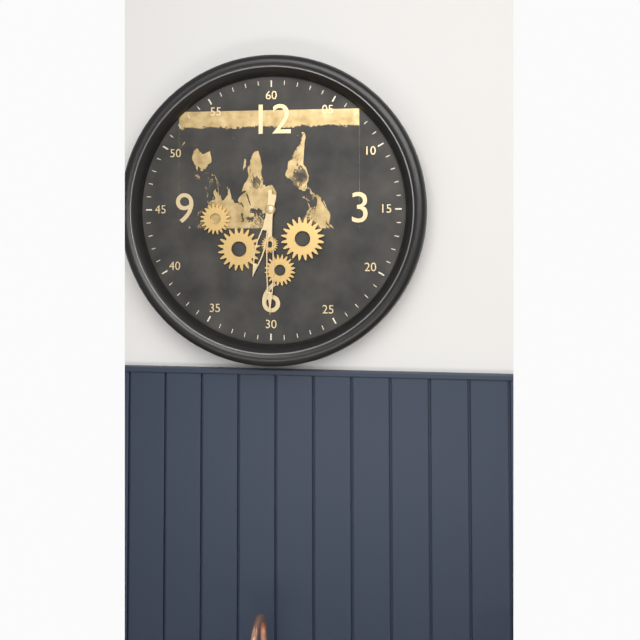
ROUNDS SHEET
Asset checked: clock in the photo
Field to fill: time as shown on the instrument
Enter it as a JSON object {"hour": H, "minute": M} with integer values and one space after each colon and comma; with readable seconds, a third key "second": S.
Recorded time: {"hour": 6, "minute": 30}
